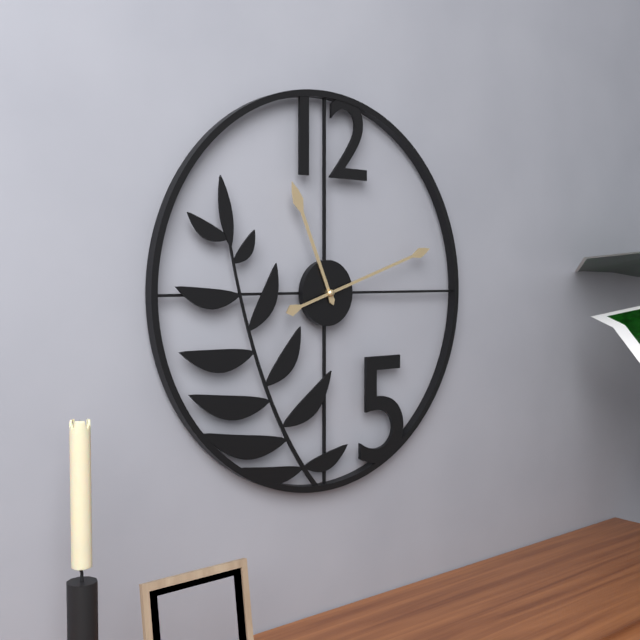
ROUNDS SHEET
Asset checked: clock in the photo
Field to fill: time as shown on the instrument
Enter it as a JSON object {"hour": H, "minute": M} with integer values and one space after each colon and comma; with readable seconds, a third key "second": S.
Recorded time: {"hour": 11, "minute": 12}
